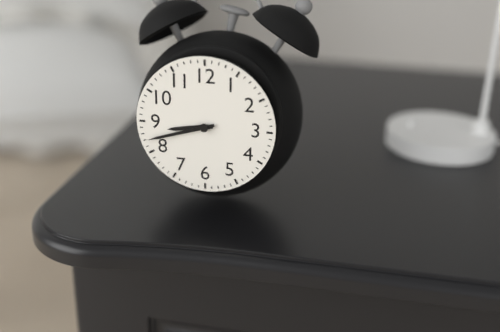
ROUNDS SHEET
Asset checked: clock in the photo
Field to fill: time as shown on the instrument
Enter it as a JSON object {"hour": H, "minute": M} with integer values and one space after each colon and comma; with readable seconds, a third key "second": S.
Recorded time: {"hour": 8, "minute": 42}
